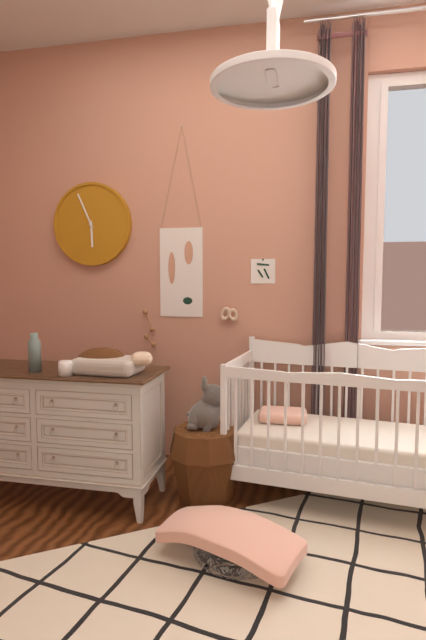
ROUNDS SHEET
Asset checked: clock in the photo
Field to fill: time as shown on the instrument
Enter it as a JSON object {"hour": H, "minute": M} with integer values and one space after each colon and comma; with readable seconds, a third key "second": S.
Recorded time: {"hour": 5, "minute": 56}
